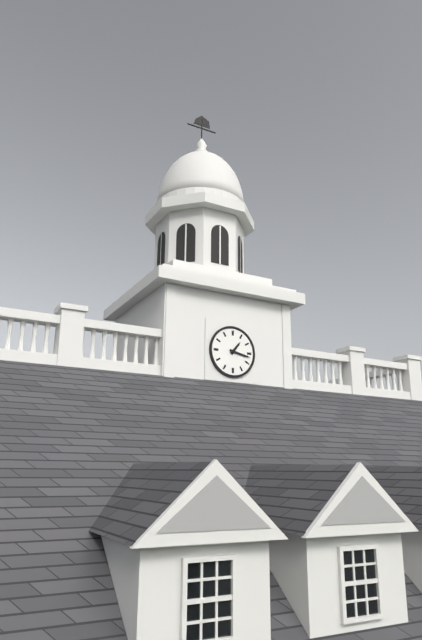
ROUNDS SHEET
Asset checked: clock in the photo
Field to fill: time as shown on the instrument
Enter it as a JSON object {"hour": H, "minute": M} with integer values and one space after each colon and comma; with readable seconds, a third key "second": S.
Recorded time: {"hour": 1, "minute": 17}
